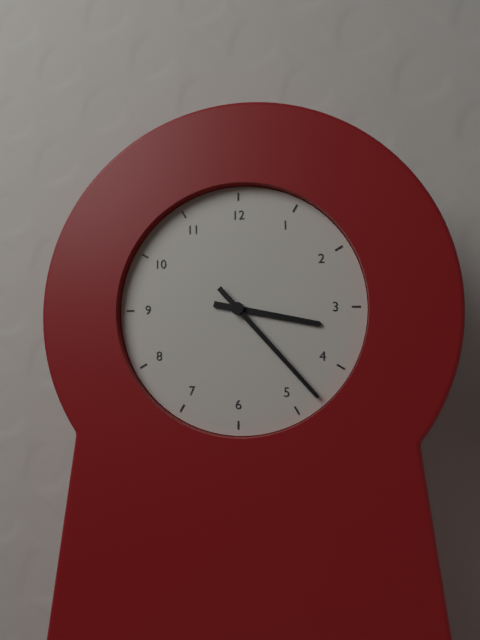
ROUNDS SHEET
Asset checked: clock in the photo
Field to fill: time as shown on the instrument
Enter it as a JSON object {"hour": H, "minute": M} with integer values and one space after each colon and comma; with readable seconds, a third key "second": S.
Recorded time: {"hour": 3, "minute": 23}
